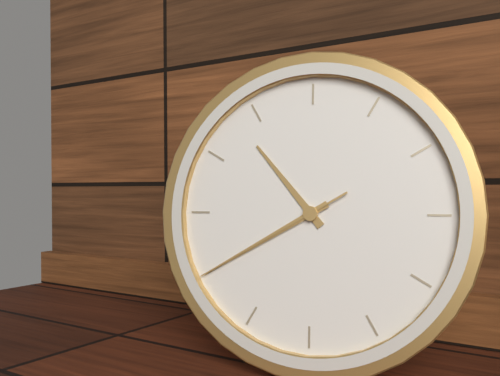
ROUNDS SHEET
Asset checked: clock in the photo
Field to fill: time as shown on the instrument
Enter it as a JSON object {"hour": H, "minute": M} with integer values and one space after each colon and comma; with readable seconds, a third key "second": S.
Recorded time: {"hour": 10, "minute": 40, "second": 40}
